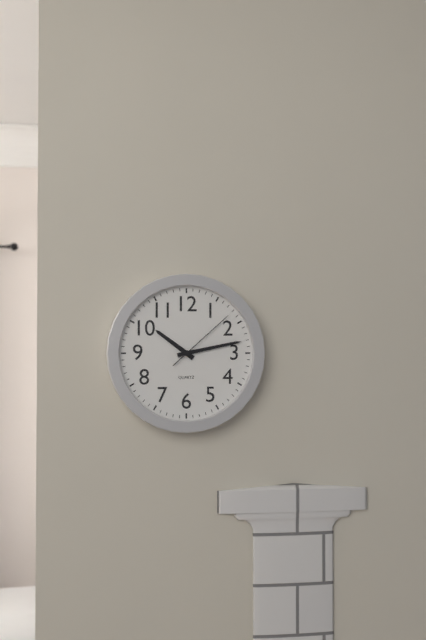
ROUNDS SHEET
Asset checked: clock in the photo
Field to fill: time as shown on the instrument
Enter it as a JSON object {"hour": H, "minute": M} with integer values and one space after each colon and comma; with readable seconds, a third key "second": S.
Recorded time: {"hour": 10, "minute": 13, "second": 8}
